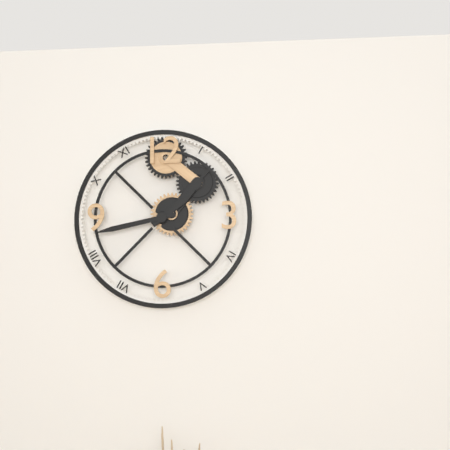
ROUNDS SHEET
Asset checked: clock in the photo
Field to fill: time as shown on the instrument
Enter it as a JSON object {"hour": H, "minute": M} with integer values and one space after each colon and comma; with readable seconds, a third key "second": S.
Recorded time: {"hour": 1, "minute": 43}
